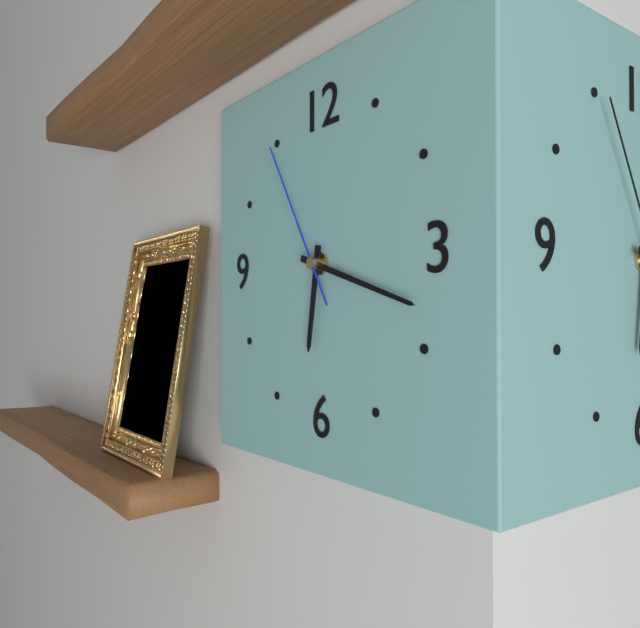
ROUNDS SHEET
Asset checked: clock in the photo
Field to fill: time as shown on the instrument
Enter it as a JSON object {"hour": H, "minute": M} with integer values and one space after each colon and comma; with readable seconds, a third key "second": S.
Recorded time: {"hour": 6, "minute": 18, "second": 55}
